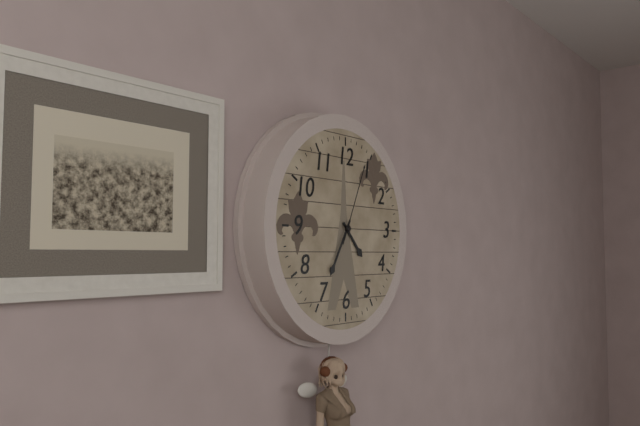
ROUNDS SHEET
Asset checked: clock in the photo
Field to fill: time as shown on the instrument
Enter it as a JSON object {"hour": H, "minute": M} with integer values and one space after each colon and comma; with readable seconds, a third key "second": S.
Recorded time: {"hour": 4, "minute": 35, "second": 4}
